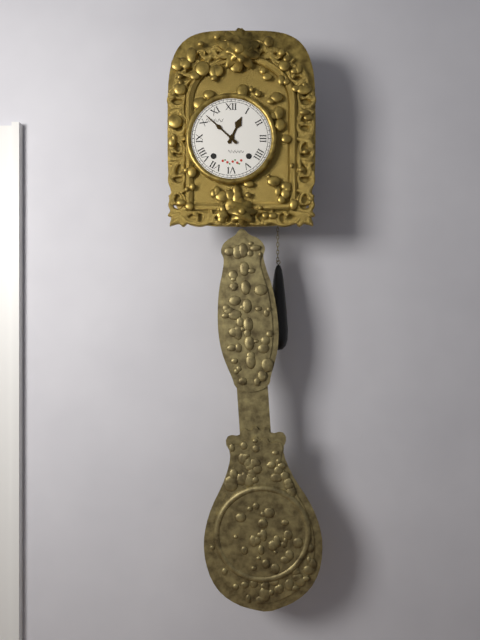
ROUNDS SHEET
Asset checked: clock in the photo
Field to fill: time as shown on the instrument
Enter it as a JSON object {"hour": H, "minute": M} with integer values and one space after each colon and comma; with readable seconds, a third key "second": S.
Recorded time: {"hour": 12, "minute": 52}
